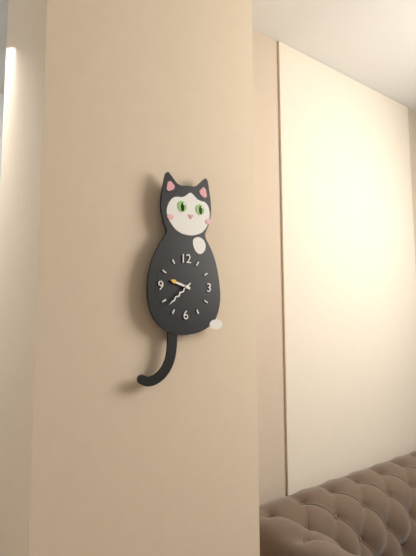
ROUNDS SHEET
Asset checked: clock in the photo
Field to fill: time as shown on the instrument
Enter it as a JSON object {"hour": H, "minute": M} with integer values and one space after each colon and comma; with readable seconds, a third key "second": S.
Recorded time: {"hour": 9, "minute": 38}
